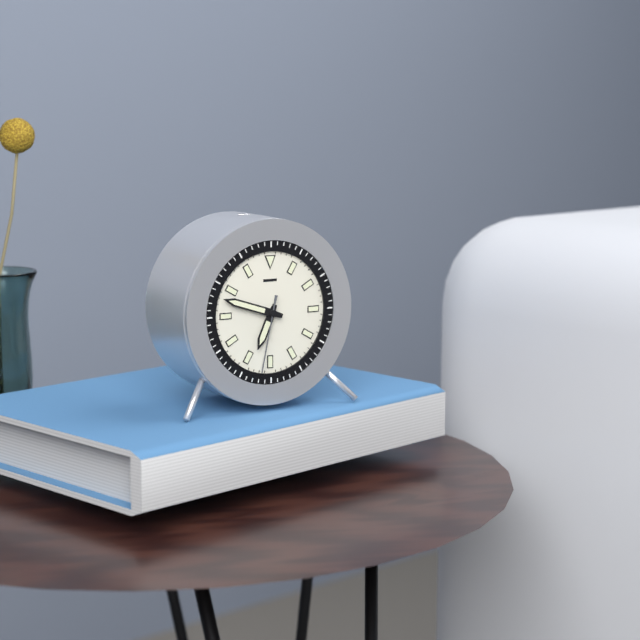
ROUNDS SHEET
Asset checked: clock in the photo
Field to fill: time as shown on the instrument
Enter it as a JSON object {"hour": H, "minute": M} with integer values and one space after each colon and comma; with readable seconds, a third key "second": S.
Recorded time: {"hour": 6, "minute": 48, "second": 32}
